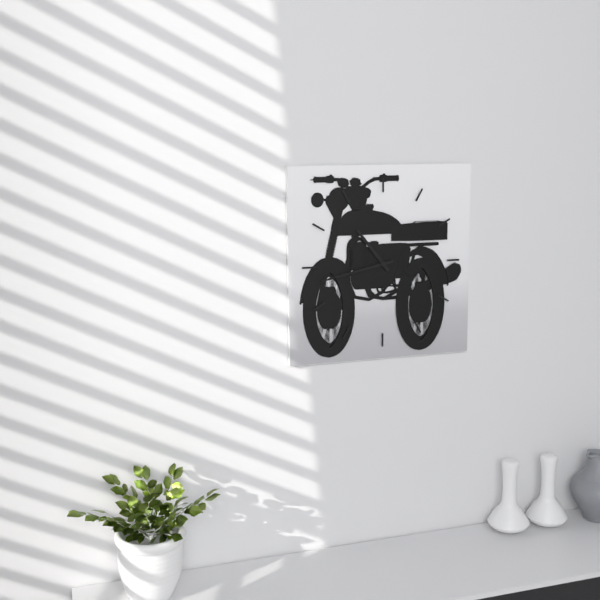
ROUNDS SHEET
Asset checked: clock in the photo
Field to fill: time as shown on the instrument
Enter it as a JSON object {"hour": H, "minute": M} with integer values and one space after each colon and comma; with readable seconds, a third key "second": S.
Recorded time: {"hour": 10, "minute": 43}
